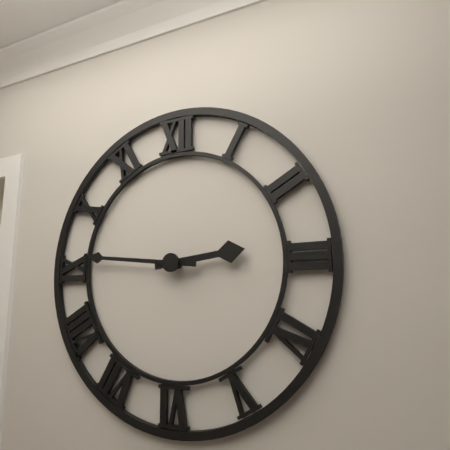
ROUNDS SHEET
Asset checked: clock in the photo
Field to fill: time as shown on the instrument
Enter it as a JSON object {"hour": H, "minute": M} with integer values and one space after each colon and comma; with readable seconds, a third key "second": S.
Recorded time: {"hour": 2, "minute": 46}
